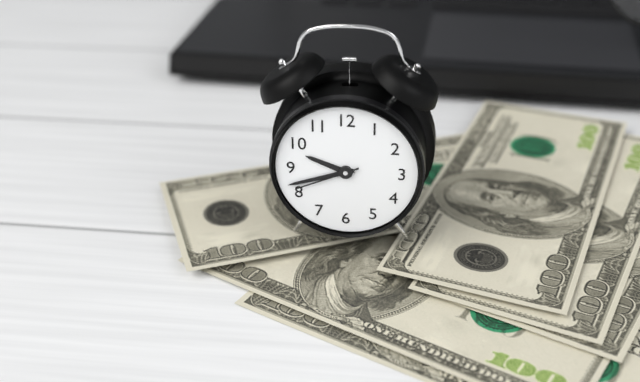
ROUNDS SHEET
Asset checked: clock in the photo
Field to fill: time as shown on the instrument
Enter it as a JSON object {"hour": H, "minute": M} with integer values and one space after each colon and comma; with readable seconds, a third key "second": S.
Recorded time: {"hour": 9, "minute": 42, "second": 41}
